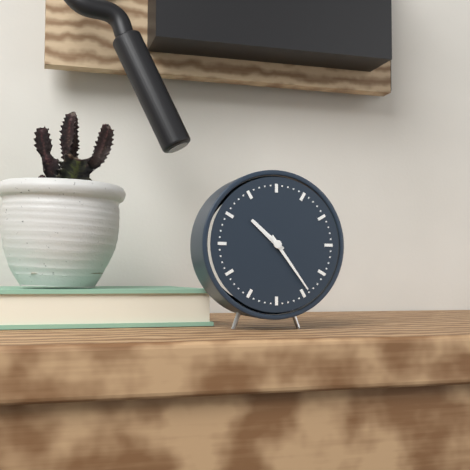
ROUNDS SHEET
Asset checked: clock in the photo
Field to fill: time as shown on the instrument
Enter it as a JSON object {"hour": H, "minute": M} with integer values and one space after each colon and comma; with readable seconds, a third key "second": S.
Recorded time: {"hour": 10, "minute": 24}
